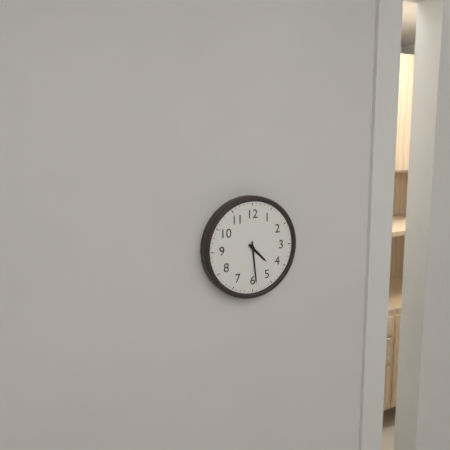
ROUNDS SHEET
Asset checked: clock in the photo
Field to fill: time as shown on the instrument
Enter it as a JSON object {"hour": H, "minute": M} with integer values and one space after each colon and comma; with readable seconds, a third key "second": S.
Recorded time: {"hour": 4, "minute": 29}
